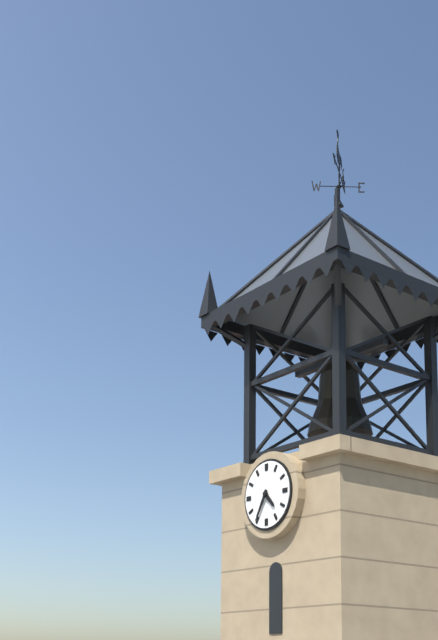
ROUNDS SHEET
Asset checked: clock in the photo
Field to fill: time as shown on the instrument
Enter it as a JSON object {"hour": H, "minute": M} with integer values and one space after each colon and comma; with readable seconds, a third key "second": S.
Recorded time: {"hour": 4, "minute": 35}
